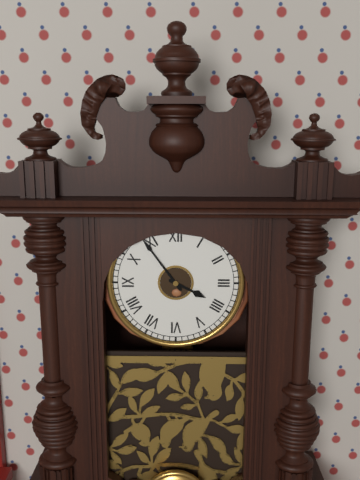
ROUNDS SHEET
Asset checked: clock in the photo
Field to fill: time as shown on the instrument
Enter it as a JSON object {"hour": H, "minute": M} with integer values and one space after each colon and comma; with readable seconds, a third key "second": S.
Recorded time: {"hour": 3, "minute": 54}
